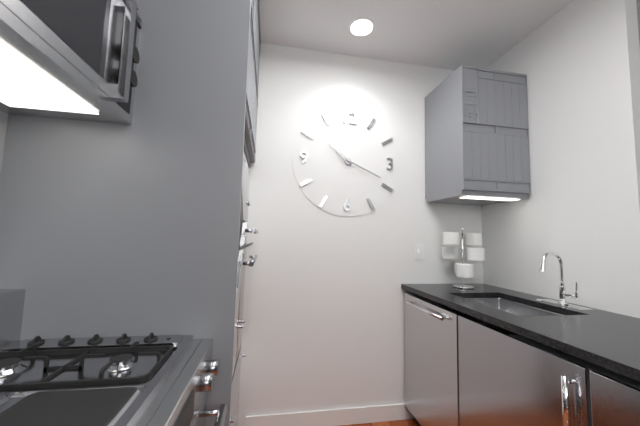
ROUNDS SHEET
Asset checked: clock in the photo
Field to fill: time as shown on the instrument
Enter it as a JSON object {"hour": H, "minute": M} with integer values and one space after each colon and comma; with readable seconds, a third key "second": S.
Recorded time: {"hour": 10, "minute": 19}
